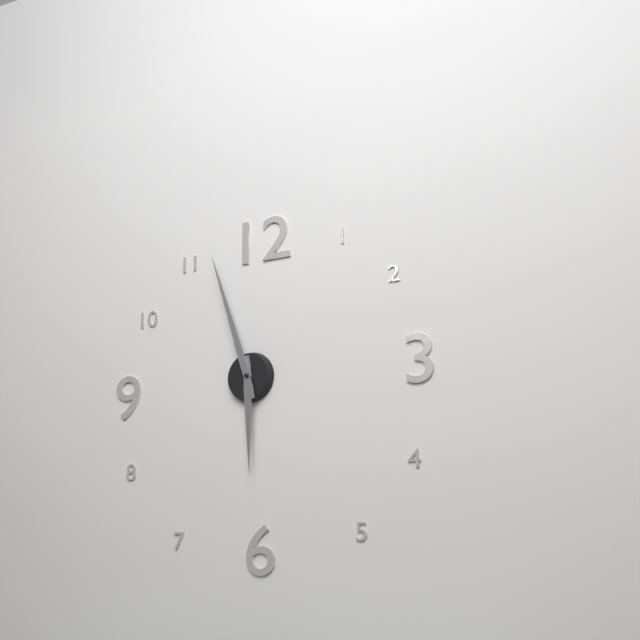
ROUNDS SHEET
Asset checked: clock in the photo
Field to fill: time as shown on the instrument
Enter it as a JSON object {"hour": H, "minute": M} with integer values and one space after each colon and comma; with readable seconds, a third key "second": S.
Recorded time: {"hour": 5, "minute": 57}
